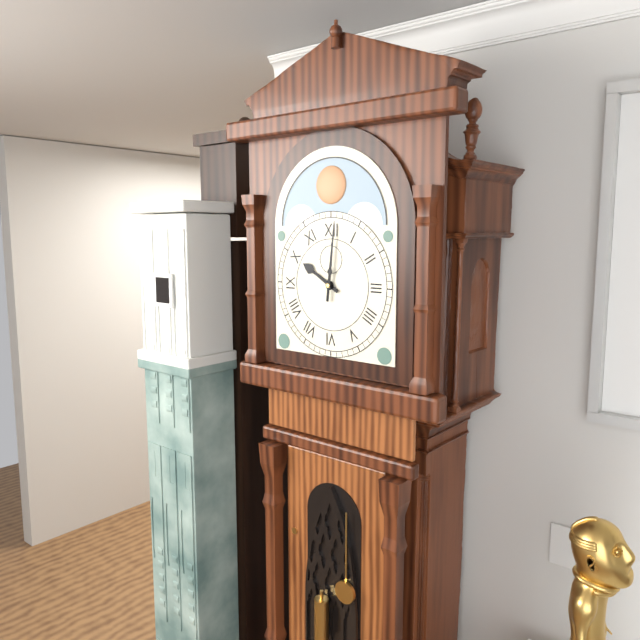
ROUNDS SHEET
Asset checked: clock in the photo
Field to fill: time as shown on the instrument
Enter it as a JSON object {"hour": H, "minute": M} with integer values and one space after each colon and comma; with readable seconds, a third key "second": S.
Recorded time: {"hour": 10, "minute": 1}
